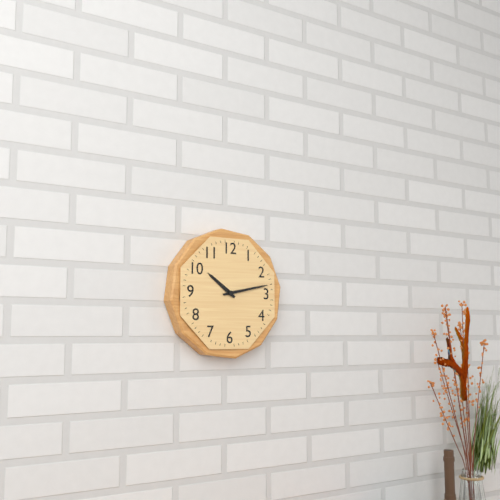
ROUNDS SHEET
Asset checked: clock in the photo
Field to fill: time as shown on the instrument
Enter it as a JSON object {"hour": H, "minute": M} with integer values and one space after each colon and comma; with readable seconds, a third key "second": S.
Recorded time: {"hour": 10, "minute": 13}
